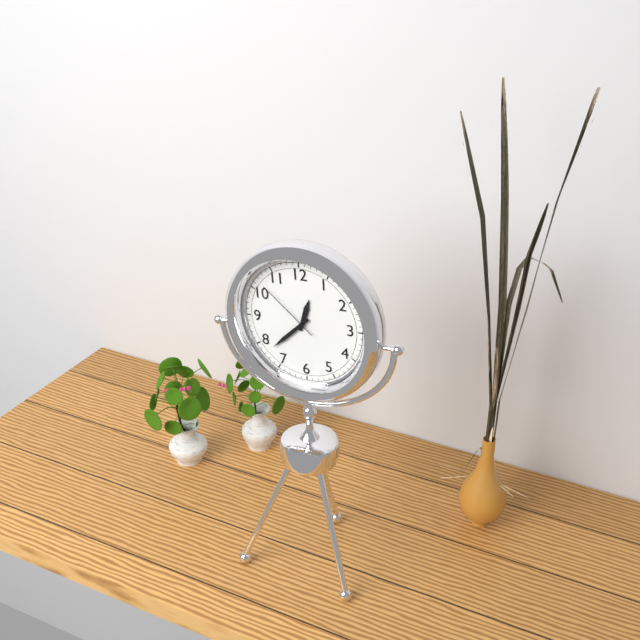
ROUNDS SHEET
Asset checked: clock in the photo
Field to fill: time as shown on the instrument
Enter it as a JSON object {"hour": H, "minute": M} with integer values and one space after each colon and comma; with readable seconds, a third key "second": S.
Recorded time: {"hour": 12, "minute": 38, "second": 52}
